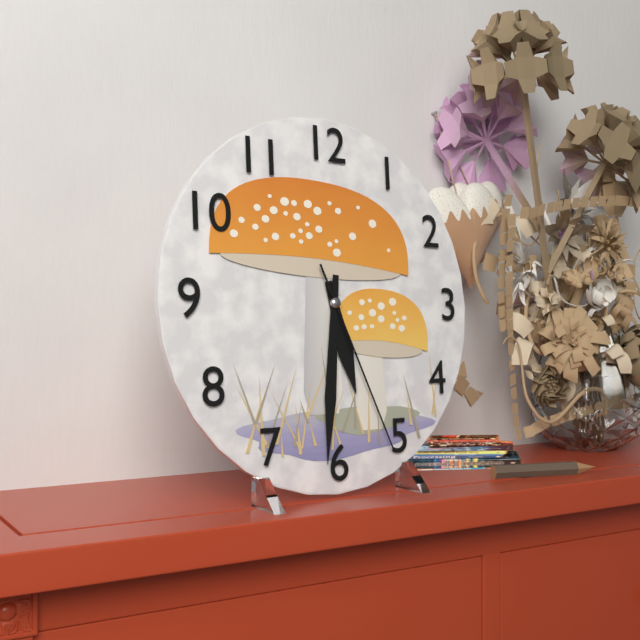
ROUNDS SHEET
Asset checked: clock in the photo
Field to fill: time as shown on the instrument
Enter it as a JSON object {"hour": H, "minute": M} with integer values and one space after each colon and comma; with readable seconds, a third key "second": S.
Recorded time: {"hour": 5, "minute": 31, "second": 26}
